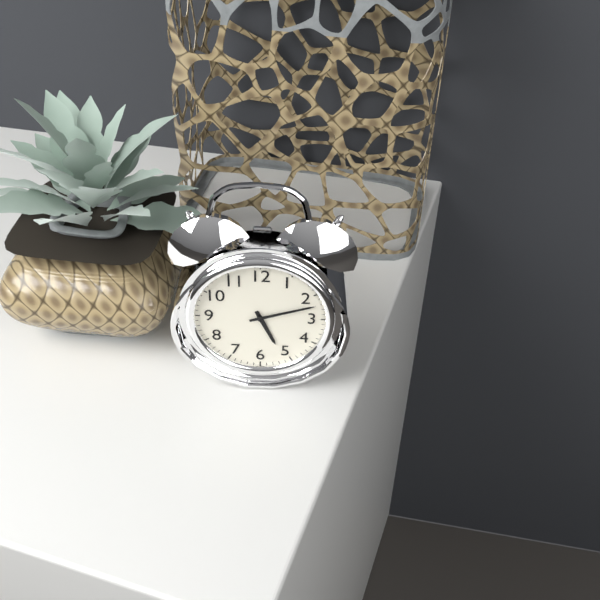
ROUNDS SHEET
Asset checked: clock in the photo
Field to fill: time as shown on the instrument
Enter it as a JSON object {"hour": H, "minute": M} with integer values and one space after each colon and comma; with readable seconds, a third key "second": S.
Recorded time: {"hour": 5, "minute": 12}
